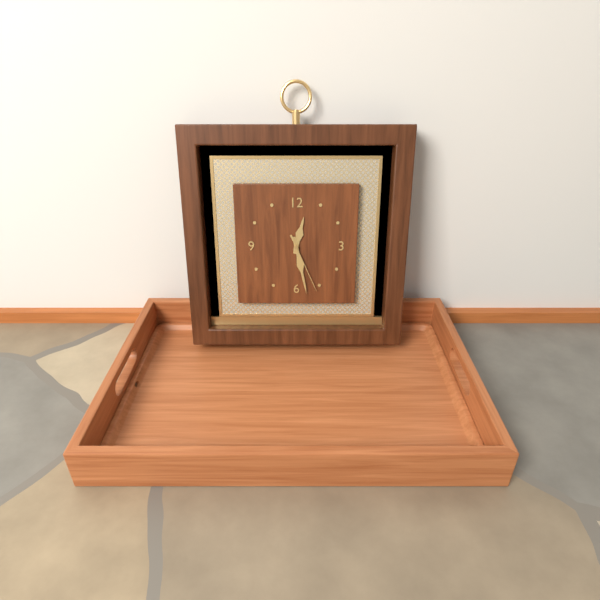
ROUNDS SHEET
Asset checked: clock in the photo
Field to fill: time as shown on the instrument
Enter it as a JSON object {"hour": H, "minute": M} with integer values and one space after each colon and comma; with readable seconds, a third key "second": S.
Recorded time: {"hour": 12, "minute": 28, "second": 26}
